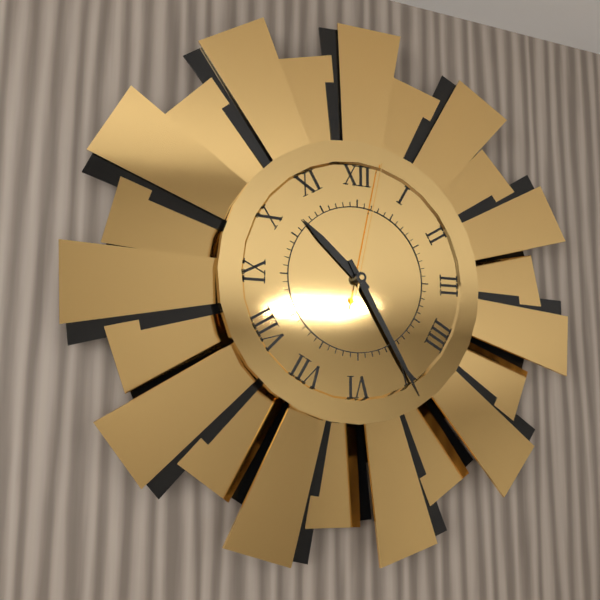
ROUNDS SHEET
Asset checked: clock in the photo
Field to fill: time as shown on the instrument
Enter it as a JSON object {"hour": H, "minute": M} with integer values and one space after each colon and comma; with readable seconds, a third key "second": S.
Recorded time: {"hour": 10, "minute": 25, "second": 2}
